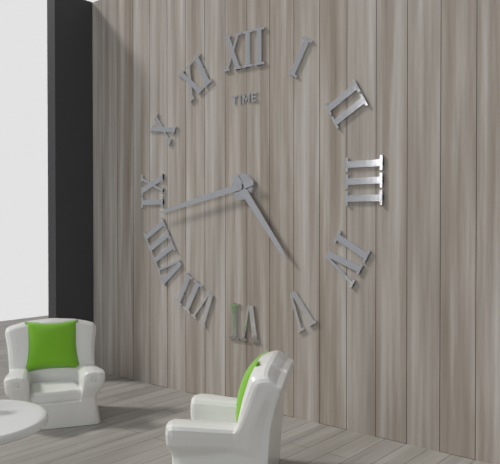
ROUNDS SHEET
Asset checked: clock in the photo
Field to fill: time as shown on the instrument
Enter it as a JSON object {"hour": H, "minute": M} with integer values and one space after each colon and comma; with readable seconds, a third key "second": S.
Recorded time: {"hour": 4, "minute": 43}
